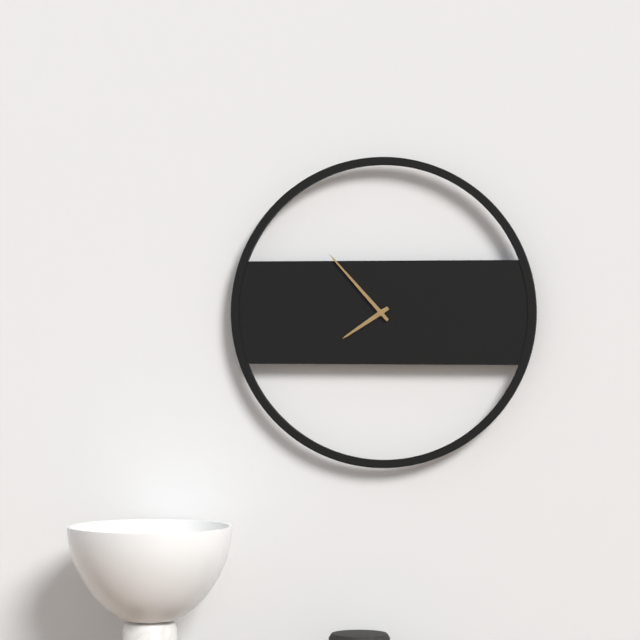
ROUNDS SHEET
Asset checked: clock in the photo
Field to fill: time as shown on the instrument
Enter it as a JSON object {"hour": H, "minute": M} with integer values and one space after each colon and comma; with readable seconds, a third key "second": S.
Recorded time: {"hour": 7, "minute": 53}
